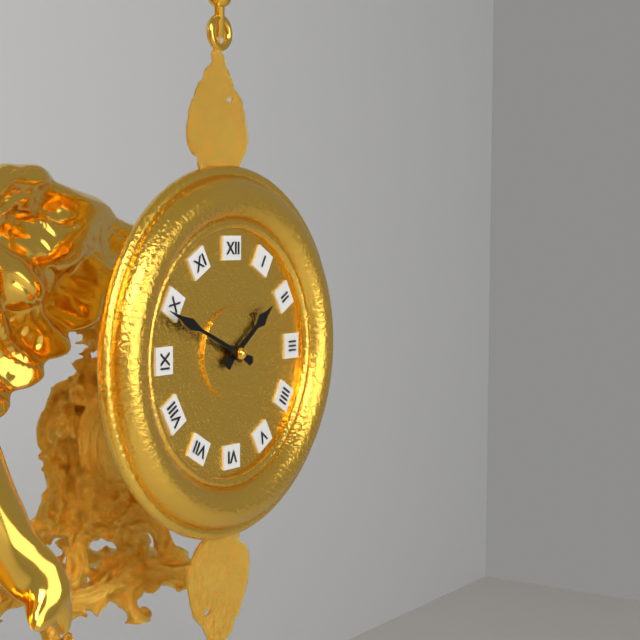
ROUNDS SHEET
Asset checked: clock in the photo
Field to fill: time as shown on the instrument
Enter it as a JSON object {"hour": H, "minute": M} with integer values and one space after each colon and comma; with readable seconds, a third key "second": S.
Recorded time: {"hour": 1, "minute": 49}
